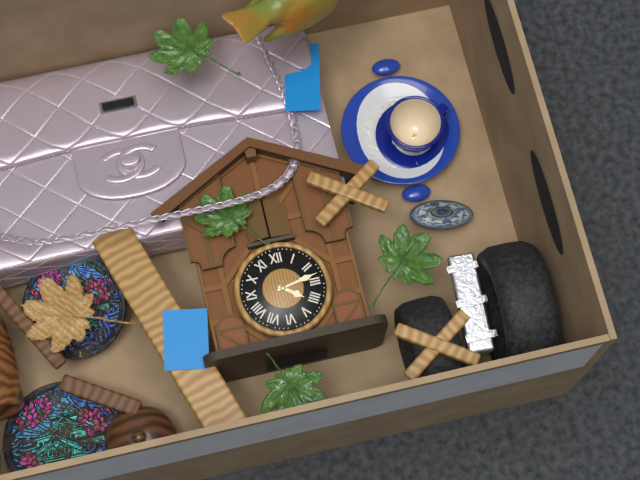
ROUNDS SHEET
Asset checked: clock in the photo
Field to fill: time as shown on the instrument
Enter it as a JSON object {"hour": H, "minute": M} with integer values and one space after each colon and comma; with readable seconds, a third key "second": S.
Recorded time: {"hour": 4, "minute": 13}
